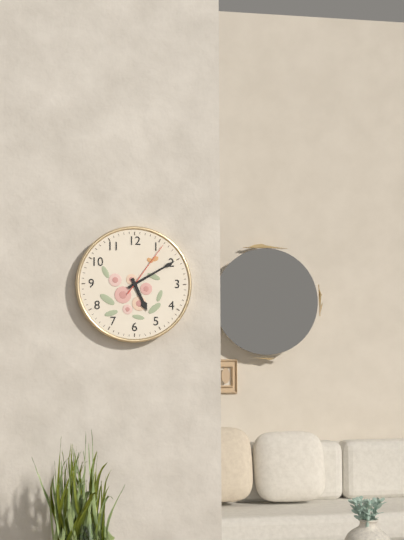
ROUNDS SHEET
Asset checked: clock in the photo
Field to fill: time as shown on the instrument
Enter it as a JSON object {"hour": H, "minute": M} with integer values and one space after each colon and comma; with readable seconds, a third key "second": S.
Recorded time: {"hour": 5, "minute": 10, "second": 6}
